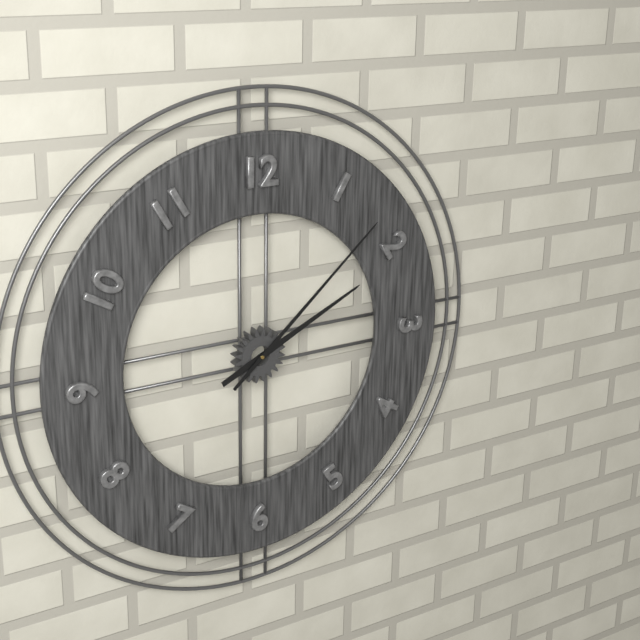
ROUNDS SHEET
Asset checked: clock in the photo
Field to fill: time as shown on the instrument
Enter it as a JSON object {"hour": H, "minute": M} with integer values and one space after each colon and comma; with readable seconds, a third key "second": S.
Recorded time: {"hour": 2, "minute": 8}
